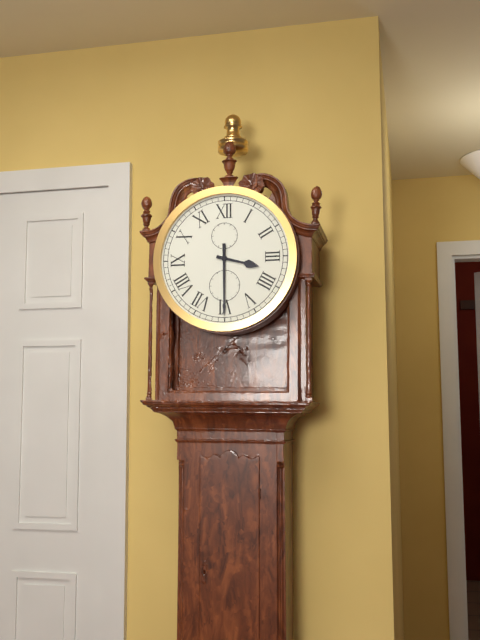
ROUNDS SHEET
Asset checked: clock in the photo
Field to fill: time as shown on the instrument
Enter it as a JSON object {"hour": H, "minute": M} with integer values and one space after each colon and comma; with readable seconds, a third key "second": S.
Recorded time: {"hour": 3, "minute": 30}
